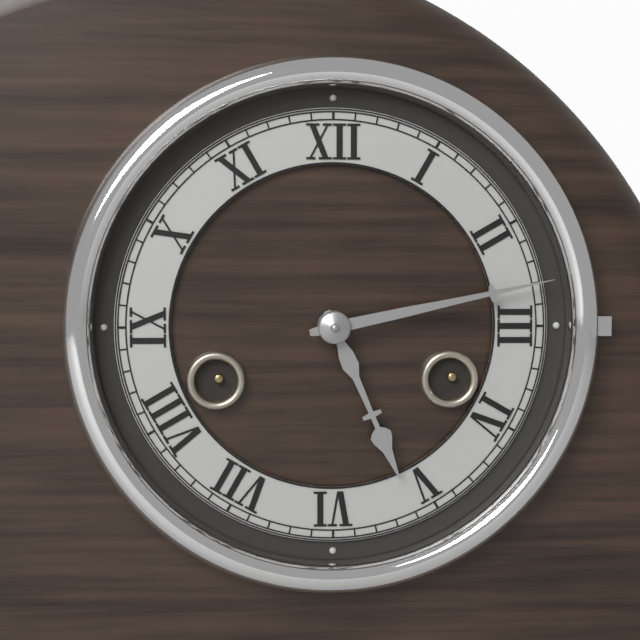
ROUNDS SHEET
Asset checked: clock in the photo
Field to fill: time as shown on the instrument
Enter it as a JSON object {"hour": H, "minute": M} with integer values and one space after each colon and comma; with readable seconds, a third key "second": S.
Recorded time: {"hour": 5, "minute": 13}
